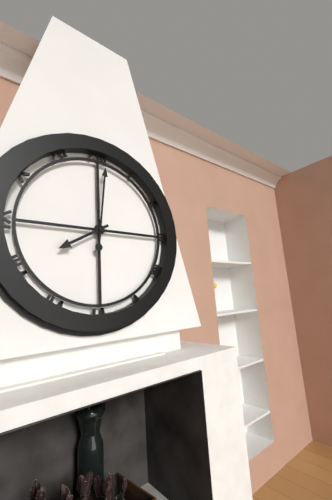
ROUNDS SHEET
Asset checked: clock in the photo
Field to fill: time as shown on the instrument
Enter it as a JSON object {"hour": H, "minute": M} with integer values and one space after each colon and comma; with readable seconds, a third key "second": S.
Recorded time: {"hour": 8, "minute": 1}
